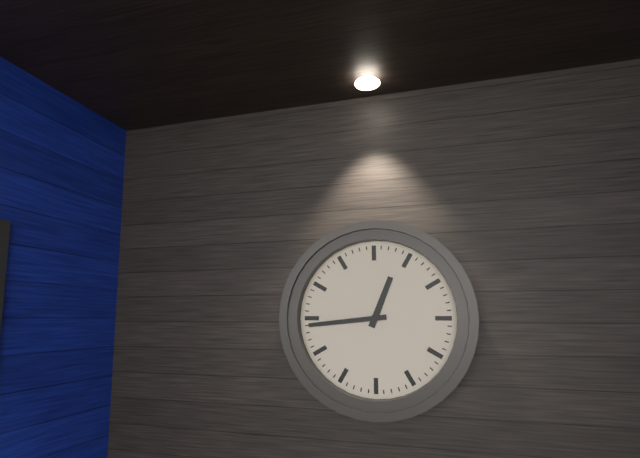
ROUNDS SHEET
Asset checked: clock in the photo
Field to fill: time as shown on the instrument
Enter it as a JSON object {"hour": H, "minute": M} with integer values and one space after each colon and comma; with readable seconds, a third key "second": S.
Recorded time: {"hour": 12, "minute": 44}
